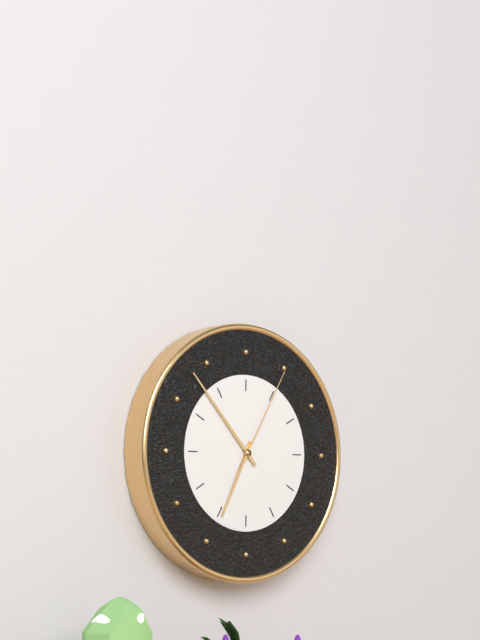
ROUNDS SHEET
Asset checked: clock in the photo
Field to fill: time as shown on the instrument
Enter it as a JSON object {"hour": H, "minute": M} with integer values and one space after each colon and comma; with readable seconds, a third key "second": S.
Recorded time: {"hour": 6, "minute": 53, "second": 5}
